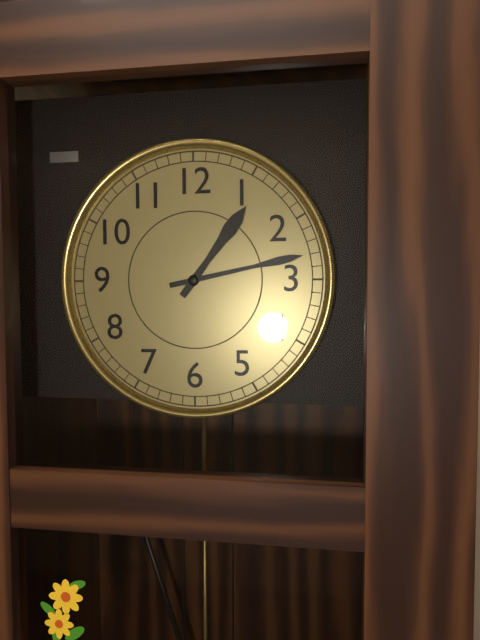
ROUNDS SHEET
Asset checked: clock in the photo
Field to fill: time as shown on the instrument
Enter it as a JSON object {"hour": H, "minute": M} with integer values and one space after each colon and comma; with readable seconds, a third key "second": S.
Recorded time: {"hour": 1, "minute": 13}
